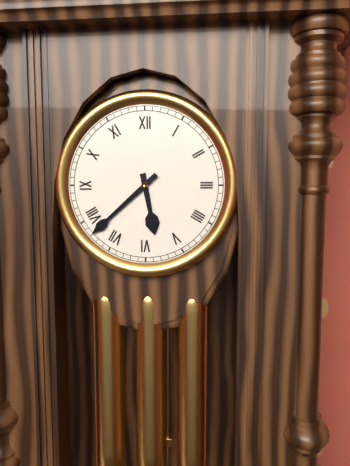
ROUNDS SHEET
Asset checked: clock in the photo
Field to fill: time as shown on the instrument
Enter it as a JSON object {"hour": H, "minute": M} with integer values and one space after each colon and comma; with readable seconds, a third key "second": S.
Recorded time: {"hour": 5, "minute": 38}
